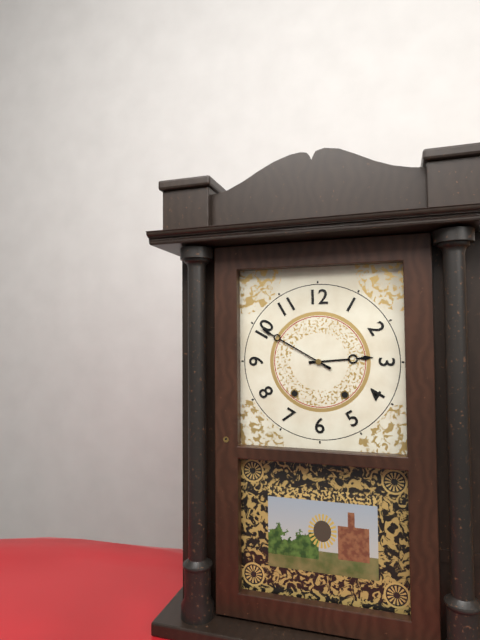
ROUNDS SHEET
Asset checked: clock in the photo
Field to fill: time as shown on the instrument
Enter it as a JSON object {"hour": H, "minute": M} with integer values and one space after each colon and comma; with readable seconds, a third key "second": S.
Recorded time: {"hour": 2, "minute": 50}
